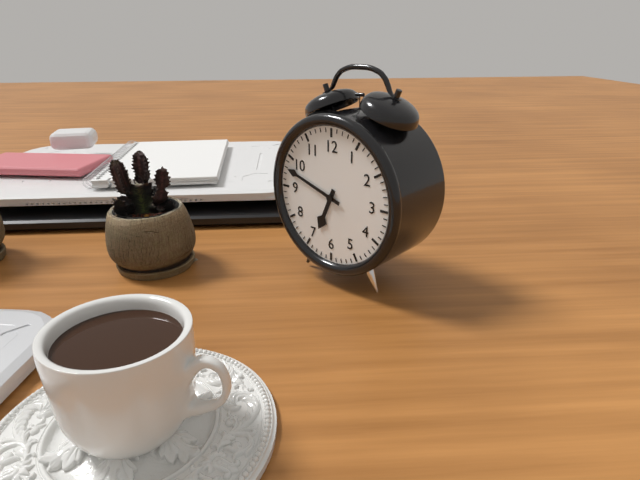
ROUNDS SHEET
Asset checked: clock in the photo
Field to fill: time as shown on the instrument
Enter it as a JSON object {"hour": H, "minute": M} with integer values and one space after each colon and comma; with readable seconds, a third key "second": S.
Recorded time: {"hour": 6, "minute": 48}
